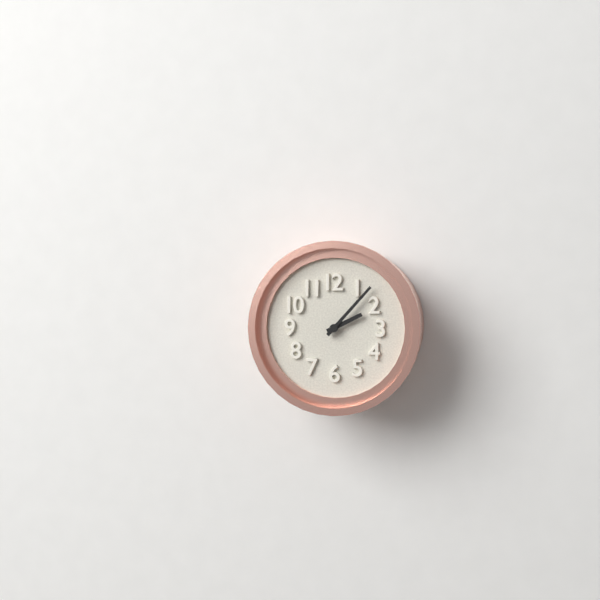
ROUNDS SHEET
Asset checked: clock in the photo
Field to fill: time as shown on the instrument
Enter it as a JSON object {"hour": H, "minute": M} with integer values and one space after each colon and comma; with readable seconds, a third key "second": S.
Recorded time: {"hour": 2, "minute": 7}
